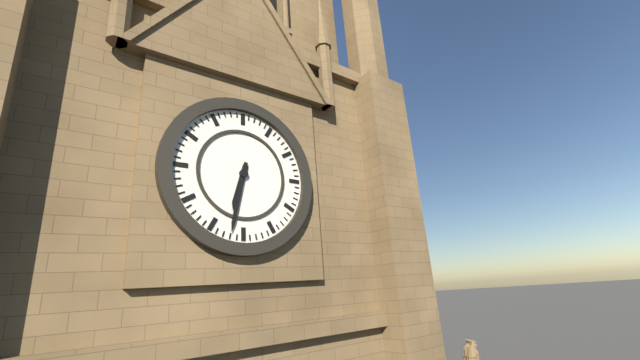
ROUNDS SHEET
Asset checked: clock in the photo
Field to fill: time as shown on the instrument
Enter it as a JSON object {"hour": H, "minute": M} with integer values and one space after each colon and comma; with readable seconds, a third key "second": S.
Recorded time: {"hour": 6, "minute": 32}
